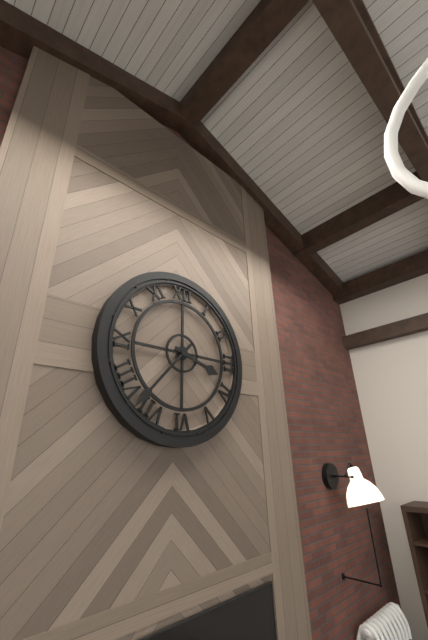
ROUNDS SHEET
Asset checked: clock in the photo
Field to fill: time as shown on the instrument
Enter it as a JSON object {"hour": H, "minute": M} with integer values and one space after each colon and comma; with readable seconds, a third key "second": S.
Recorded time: {"hour": 3, "minute": 37}
